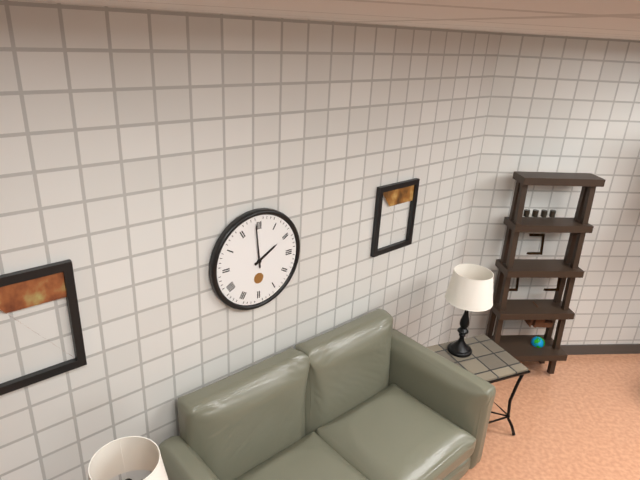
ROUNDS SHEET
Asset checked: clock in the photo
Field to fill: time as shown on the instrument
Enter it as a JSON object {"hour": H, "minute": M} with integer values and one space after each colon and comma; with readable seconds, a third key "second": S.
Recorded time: {"hour": 1, "minute": 59}
